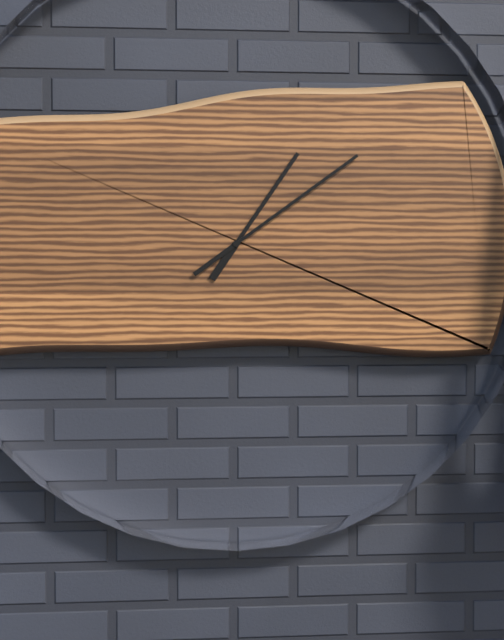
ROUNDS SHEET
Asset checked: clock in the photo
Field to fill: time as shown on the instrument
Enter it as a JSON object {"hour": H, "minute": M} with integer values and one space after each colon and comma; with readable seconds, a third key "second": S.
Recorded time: {"hour": 1, "minute": 9}
